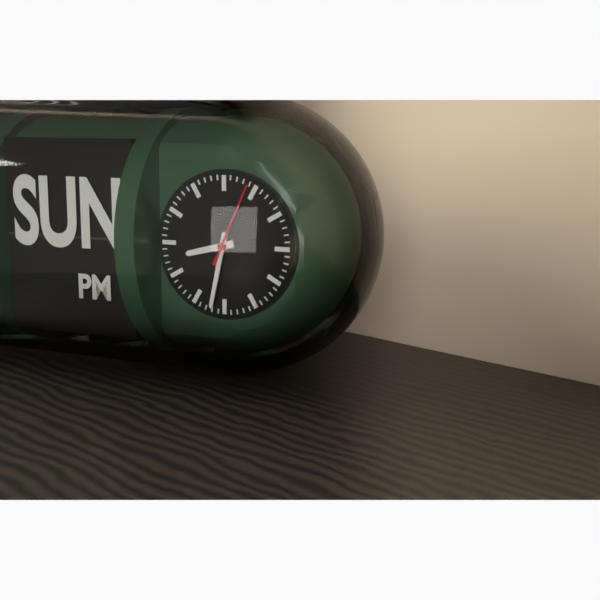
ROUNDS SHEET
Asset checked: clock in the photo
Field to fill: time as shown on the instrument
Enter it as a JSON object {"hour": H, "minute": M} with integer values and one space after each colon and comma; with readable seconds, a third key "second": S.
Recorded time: {"hour": 8, "minute": 32, "second": 4}
